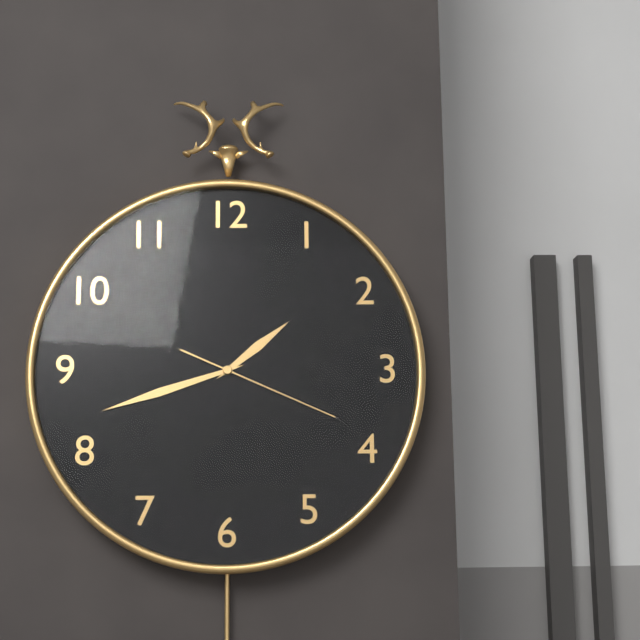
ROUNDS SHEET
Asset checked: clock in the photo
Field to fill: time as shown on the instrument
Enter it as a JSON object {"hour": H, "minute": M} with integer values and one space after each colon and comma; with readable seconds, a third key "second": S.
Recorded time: {"hour": 1, "minute": 42, "second": 19}
